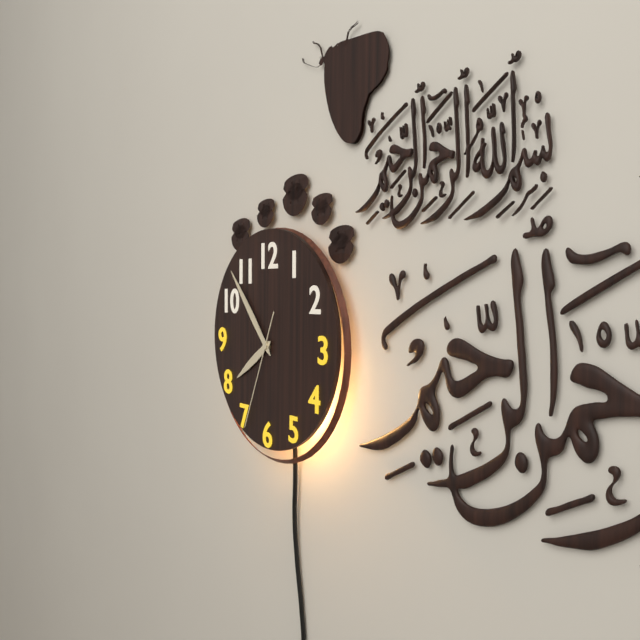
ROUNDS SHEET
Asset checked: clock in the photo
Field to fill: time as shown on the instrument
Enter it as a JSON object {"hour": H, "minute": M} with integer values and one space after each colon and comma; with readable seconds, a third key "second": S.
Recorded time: {"hour": 7, "minute": 53, "second": 34}
